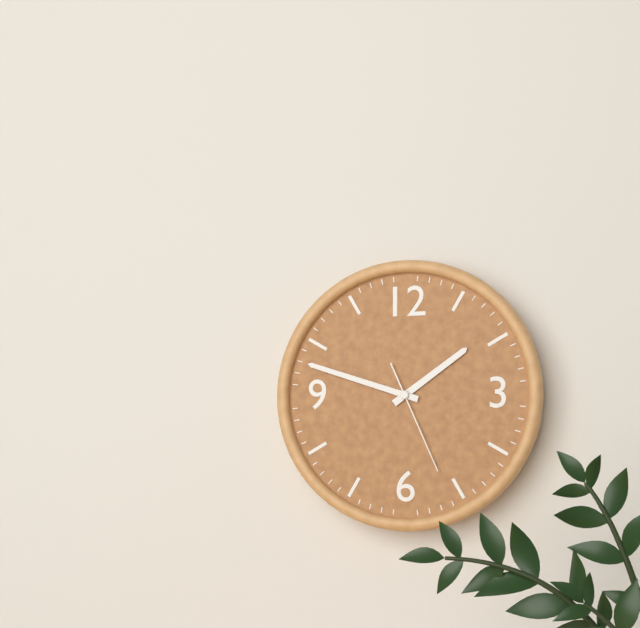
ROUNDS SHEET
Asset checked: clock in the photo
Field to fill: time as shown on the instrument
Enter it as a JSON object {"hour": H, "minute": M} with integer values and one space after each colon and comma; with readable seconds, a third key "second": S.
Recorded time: {"hour": 1, "minute": 48, "second": 26}
